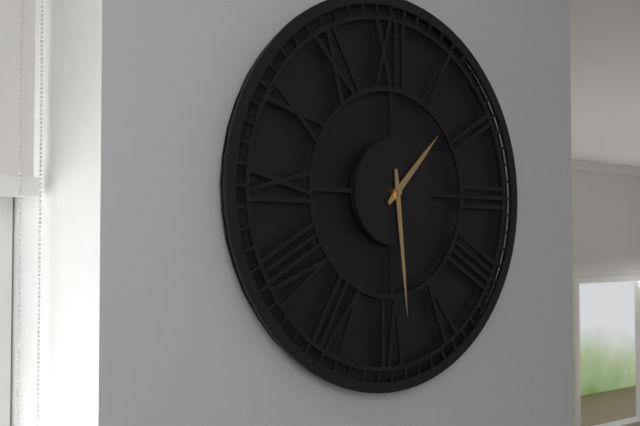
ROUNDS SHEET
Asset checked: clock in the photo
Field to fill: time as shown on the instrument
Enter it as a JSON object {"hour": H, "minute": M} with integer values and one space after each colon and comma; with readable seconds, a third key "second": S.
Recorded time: {"hour": 1, "minute": 29}
